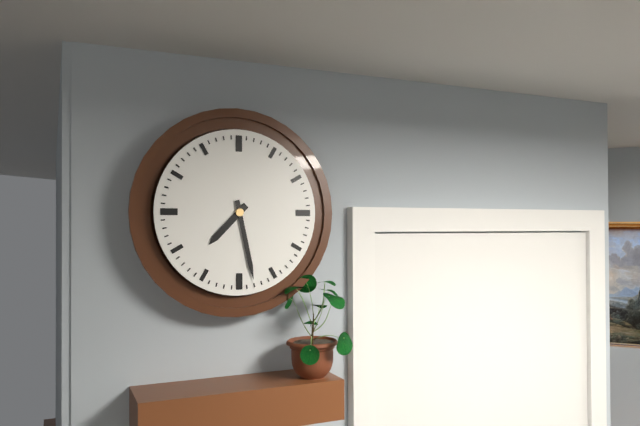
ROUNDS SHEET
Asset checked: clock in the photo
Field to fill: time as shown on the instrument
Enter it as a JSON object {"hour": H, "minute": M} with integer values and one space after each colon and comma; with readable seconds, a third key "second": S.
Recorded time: {"hour": 7, "minute": 28}
